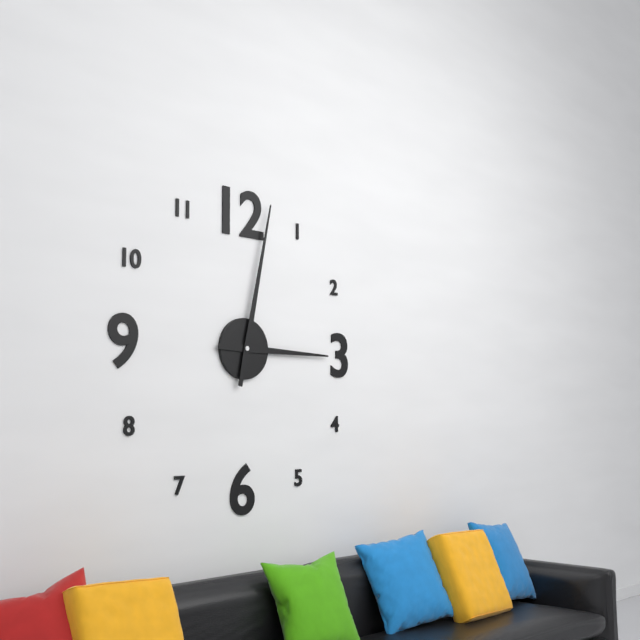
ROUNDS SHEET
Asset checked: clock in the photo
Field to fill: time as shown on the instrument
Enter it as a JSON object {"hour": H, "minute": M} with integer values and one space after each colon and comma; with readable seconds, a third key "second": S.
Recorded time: {"hour": 3, "minute": 2}
